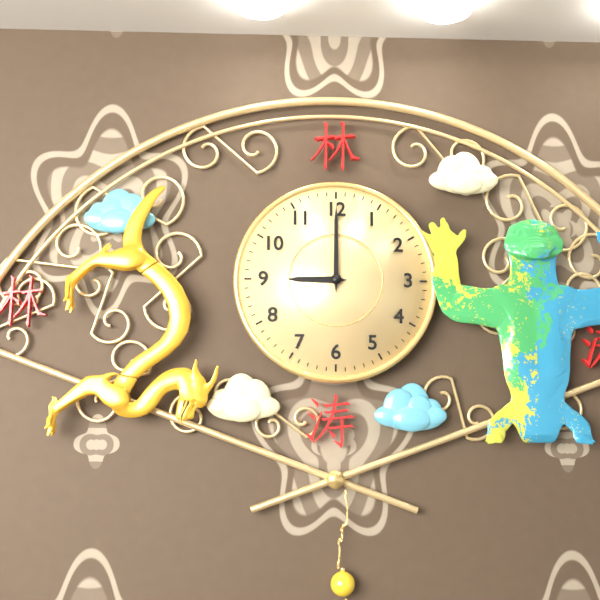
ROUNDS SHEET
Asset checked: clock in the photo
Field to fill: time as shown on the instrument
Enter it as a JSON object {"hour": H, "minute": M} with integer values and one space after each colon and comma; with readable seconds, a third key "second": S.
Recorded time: {"hour": 9, "minute": 0}
